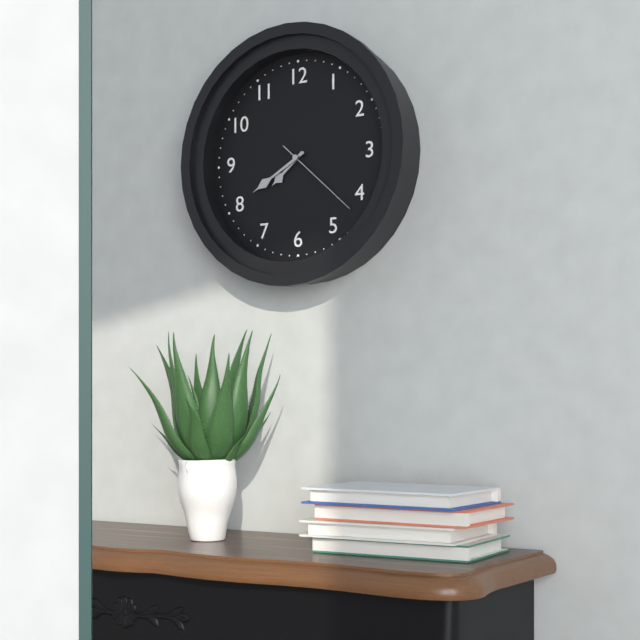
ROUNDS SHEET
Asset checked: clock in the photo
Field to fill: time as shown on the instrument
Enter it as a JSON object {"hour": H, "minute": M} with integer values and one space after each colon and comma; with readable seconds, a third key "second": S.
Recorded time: {"hour": 7, "minute": 40, "second": 22}
